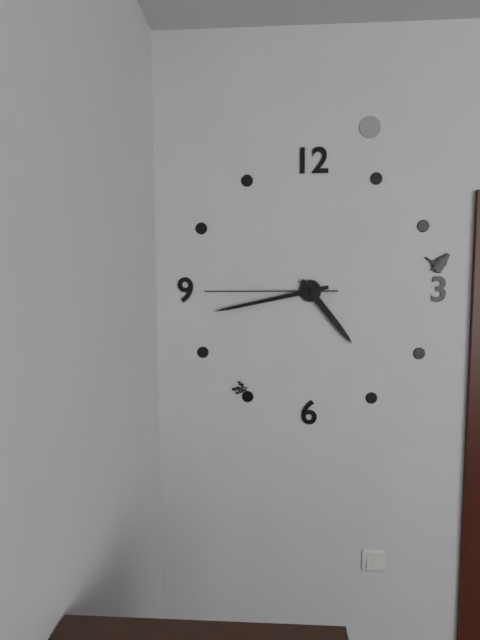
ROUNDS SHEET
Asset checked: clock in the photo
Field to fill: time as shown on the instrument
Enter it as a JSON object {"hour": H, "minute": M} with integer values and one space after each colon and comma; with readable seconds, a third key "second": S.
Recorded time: {"hour": 4, "minute": 43, "second": 45}
